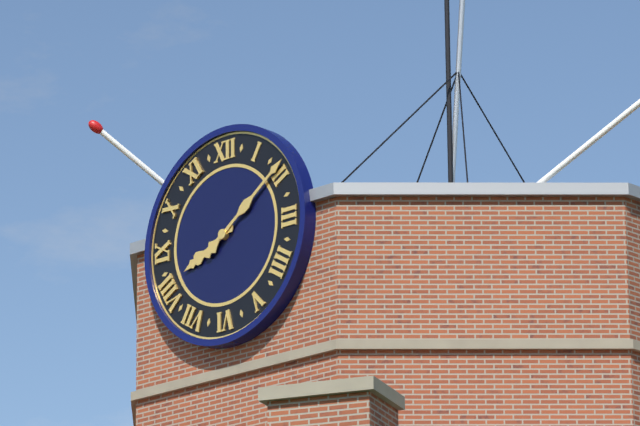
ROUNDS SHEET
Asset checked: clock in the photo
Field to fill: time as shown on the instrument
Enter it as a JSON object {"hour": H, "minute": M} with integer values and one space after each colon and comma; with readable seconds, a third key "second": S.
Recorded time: {"hour": 8, "minute": 9}
